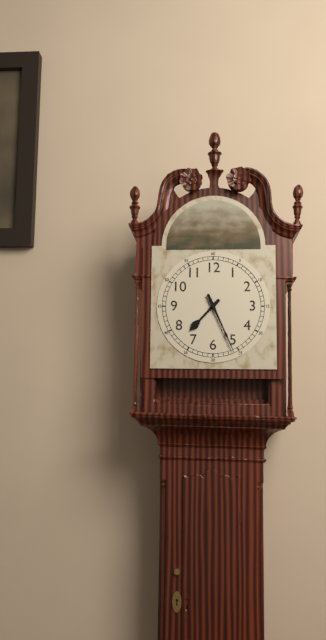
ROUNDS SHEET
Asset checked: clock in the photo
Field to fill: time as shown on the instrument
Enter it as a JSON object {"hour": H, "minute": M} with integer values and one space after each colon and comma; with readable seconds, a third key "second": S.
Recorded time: {"hour": 7, "minute": 26}
